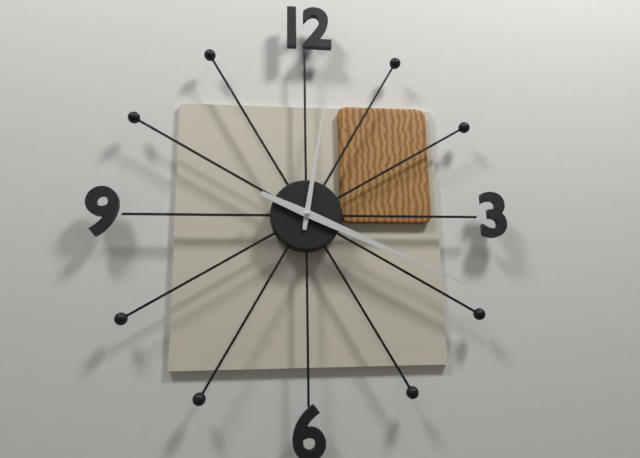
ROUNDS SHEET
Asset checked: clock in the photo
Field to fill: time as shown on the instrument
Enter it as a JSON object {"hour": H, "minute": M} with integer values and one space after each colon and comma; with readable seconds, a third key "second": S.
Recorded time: {"hour": 12, "minute": 19}
